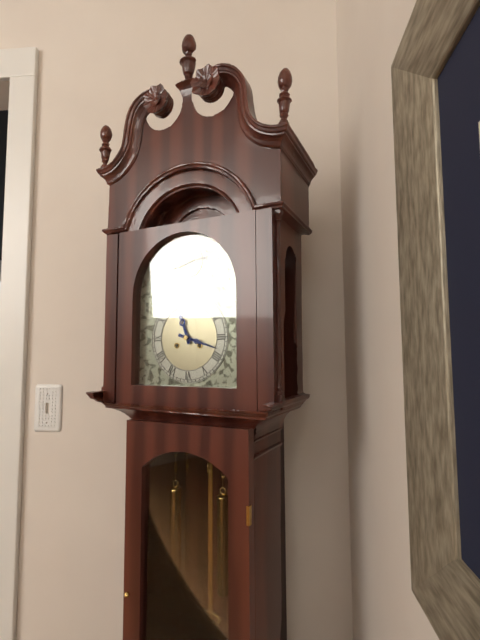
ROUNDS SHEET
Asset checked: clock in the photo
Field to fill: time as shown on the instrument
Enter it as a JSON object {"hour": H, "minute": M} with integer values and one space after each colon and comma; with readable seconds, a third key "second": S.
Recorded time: {"hour": 11, "minute": 18}
